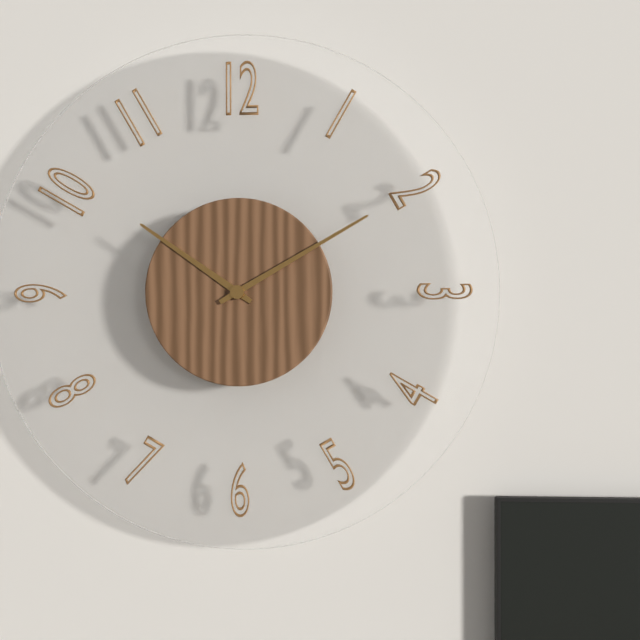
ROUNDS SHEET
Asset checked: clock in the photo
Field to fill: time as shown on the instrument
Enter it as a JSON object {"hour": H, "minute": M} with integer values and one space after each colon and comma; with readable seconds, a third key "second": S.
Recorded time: {"hour": 10, "minute": 10}
